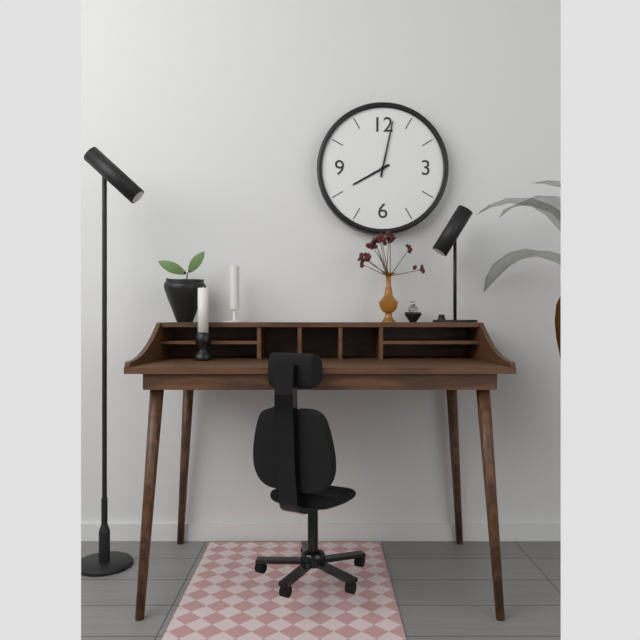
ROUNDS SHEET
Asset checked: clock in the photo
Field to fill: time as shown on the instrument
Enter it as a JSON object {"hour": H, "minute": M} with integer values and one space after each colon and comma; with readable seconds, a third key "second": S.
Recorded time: {"hour": 8, "minute": 2}
